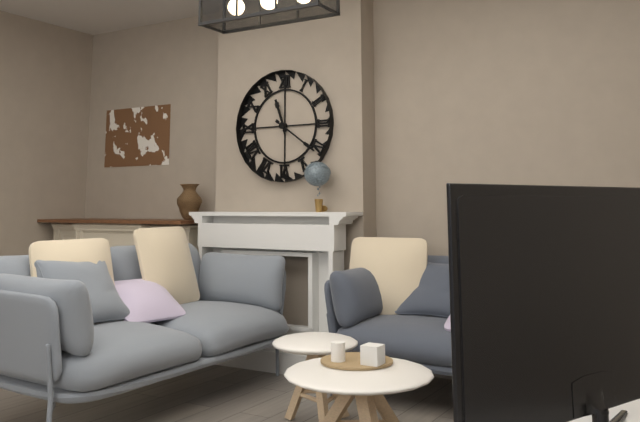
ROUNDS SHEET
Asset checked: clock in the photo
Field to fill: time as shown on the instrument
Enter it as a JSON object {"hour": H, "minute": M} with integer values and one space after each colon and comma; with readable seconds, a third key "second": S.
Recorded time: {"hour": 11, "minute": 21}
